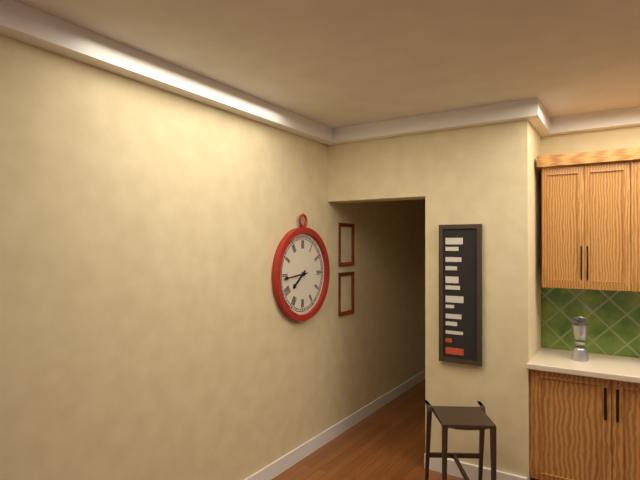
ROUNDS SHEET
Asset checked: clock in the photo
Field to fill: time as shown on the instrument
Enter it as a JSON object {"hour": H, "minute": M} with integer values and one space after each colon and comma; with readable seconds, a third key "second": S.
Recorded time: {"hour": 7, "minute": 44}
